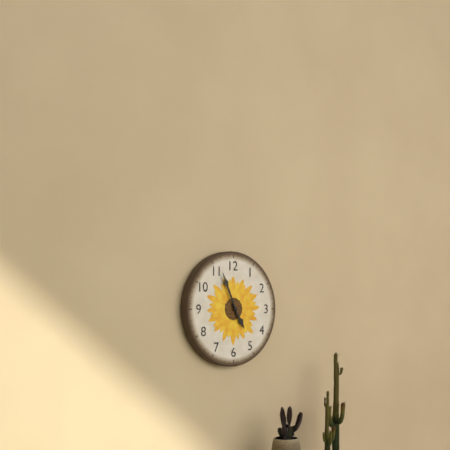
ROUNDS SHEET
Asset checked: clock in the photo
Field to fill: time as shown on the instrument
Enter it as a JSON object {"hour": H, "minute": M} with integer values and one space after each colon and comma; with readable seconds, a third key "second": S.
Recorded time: {"hour": 4, "minute": 56}
